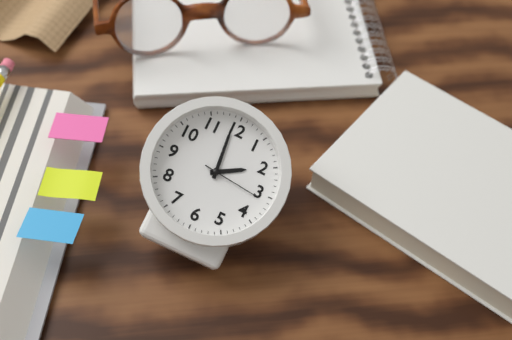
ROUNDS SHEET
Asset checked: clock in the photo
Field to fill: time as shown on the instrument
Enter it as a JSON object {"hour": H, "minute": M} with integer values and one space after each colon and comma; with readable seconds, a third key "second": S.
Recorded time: {"hour": 1, "minute": 59, "second": 16}
